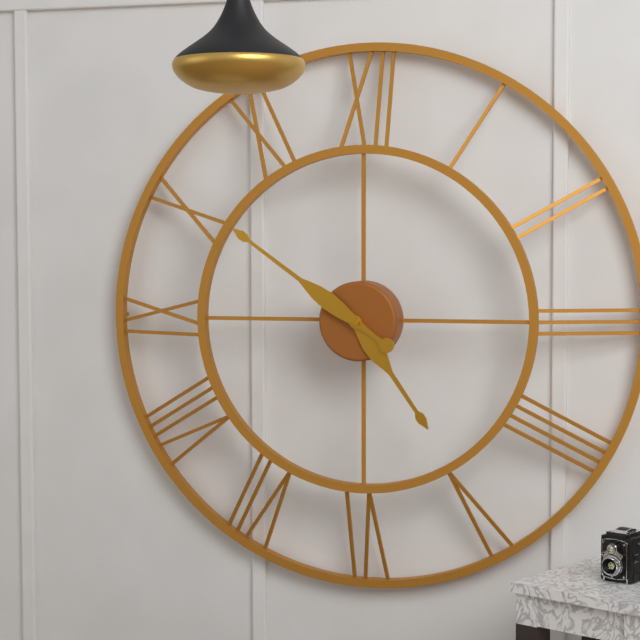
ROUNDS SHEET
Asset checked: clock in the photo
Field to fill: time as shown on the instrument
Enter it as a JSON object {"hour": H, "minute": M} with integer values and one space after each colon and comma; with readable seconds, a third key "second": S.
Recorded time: {"hour": 4, "minute": 51}
